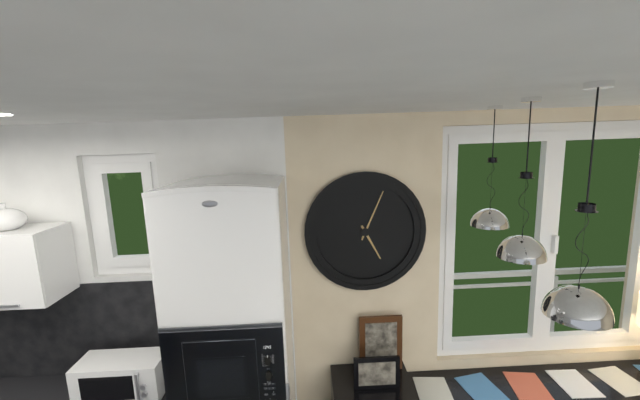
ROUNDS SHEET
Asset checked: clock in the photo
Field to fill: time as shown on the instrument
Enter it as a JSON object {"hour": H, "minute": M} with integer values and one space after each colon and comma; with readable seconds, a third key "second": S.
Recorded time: {"hour": 5, "minute": 4}
